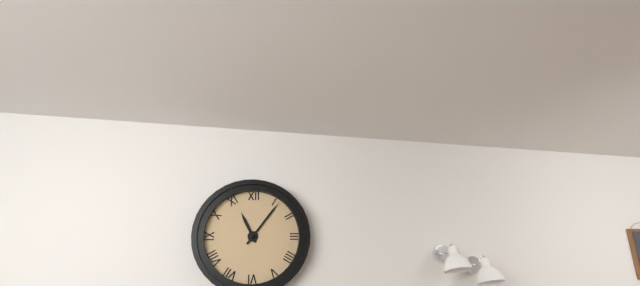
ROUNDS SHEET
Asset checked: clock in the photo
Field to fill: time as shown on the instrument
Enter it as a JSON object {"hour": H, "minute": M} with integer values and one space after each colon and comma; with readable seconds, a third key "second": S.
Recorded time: {"hour": 11, "minute": 6}
